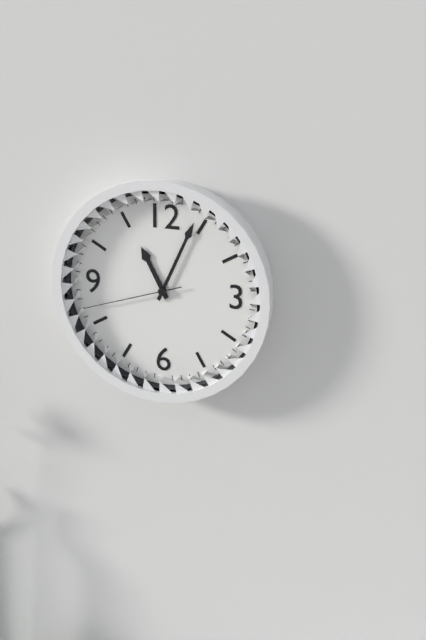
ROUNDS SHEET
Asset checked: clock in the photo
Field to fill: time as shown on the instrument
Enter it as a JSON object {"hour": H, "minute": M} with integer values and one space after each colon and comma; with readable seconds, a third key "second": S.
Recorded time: {"hour": 11, "minute": 4, "second": 42}
